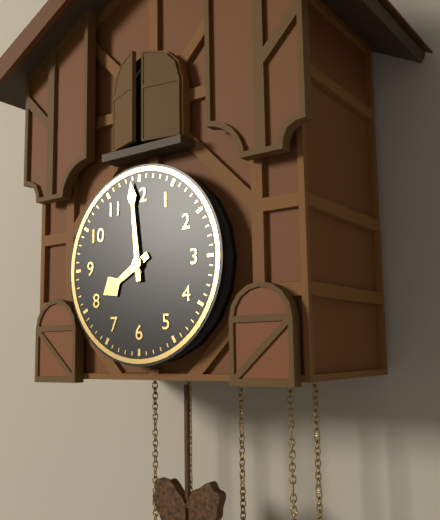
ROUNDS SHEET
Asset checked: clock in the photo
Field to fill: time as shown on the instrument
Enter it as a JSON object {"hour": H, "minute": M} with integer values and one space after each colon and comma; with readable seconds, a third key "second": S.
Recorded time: {"hour": 7, "minute": 59}
